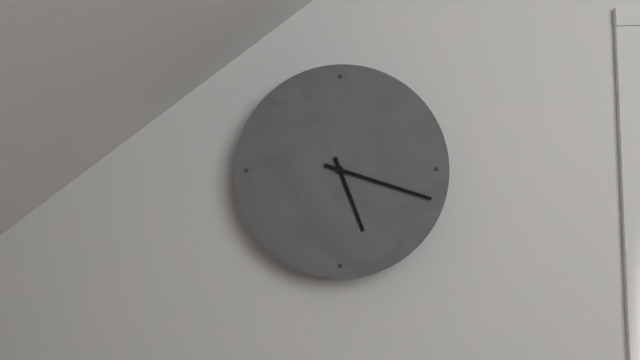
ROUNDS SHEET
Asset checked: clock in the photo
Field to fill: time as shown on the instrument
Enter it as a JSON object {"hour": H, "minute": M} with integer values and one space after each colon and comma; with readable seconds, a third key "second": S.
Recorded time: {"hour": 5, "minute": 18}
